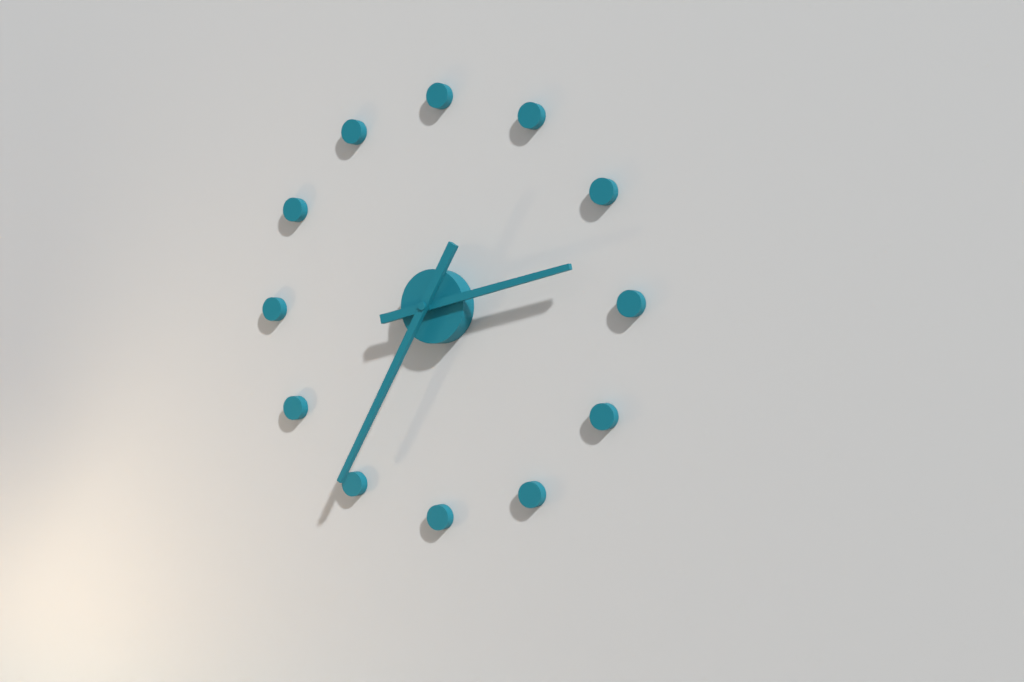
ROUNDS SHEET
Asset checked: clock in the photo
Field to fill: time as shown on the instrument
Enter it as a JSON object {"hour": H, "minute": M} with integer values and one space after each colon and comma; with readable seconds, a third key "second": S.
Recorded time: {"hour": 2, "minute": 35}
